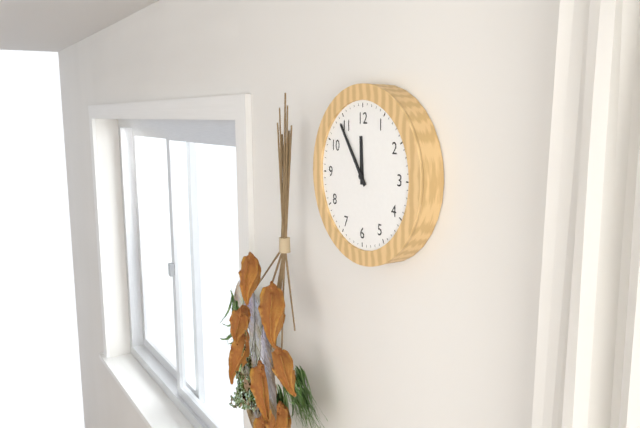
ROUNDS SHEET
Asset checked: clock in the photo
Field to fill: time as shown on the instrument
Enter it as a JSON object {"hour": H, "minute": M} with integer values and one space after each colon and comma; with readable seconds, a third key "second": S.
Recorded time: {"hour": 11, "minute": 54}
